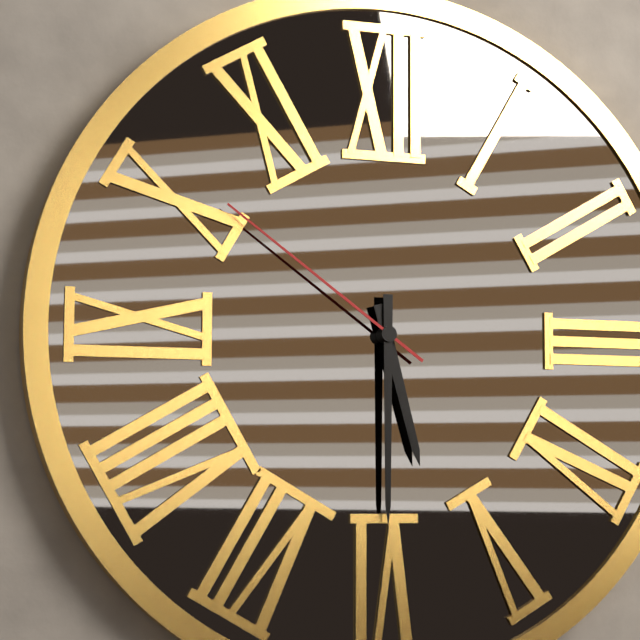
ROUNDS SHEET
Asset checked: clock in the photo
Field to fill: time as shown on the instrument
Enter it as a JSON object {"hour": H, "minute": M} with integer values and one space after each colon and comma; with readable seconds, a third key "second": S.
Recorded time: {"hour": 5, "minute": 30, "second": 51}
